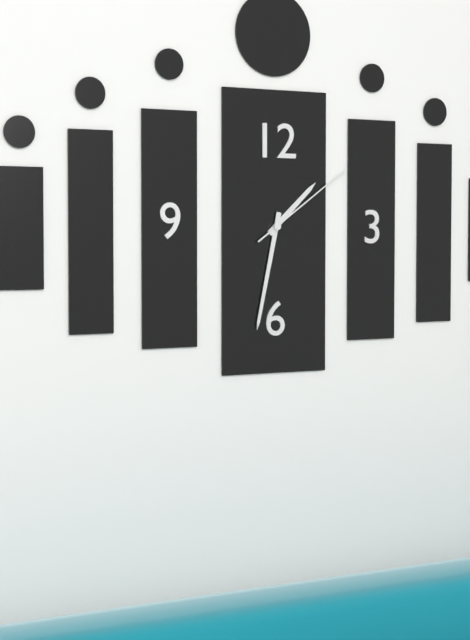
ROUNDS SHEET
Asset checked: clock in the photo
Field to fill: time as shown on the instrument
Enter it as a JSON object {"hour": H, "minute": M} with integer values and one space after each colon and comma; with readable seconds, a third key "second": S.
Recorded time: {"hour": 1, "minute": 32, "second": 9}
